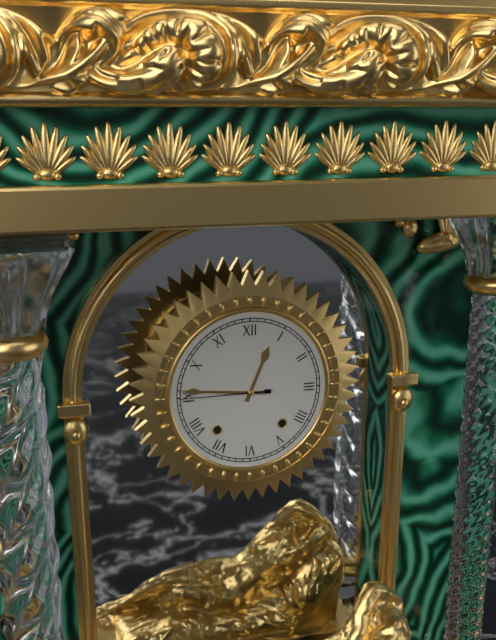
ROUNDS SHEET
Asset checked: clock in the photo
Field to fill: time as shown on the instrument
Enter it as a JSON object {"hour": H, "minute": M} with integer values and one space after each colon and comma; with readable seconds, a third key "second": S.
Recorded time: {"hour": 12, "minute": 46, "second": 45}
